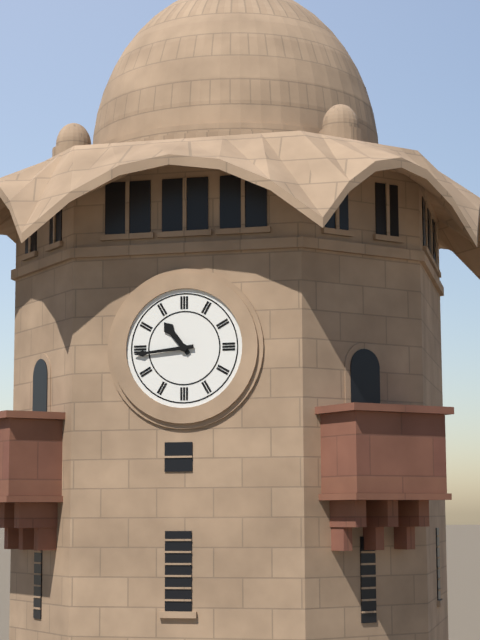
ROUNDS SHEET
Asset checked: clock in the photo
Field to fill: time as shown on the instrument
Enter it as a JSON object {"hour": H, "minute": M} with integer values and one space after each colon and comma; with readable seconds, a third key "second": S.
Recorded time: {"hour": 10, "minute": 44}
